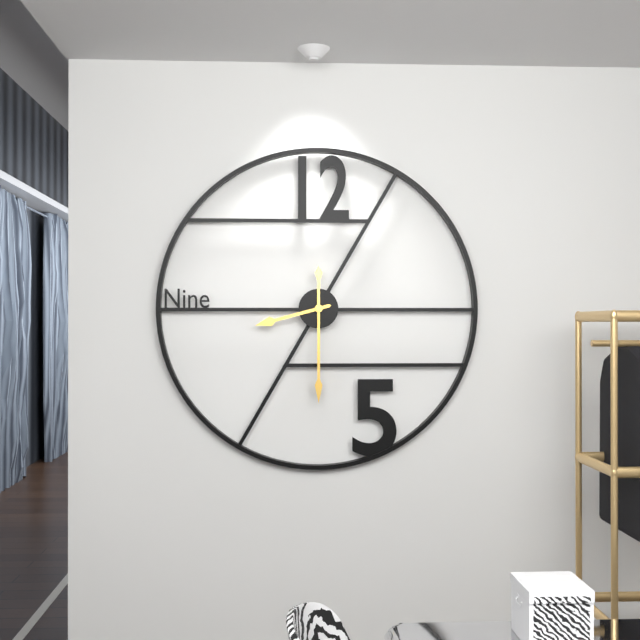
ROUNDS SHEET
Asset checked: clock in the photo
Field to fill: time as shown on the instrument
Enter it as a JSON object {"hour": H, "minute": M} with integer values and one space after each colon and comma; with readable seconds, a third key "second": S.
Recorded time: {"hour": 8, "minute": 30}
